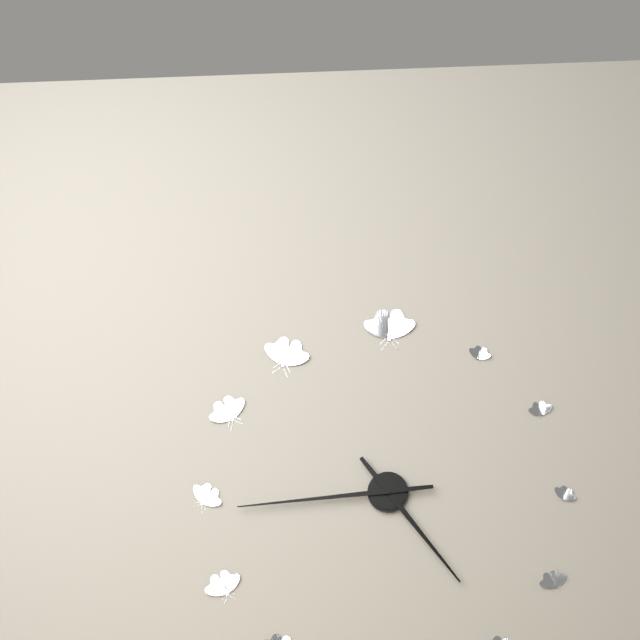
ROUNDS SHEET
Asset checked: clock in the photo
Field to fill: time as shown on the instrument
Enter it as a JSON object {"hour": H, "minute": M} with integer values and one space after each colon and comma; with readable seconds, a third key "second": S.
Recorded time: {"hour": 4, "minute": 44}
